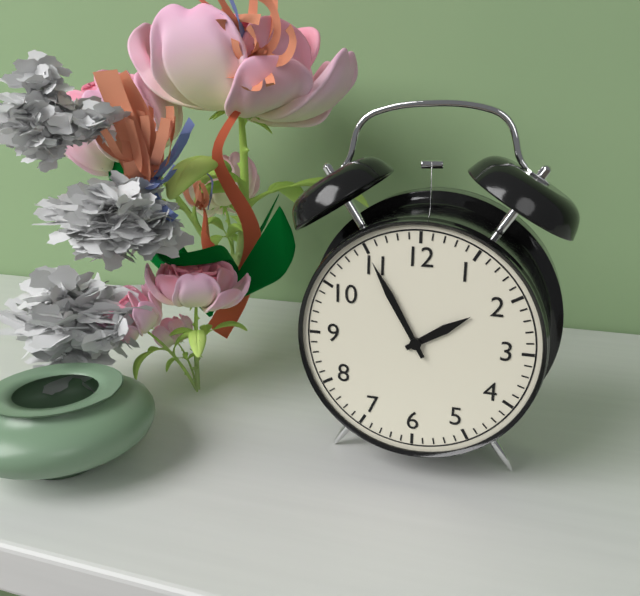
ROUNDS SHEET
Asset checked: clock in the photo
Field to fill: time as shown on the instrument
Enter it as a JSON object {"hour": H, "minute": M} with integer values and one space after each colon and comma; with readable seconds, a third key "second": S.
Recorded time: {"hour": 1, "minute": 55}
